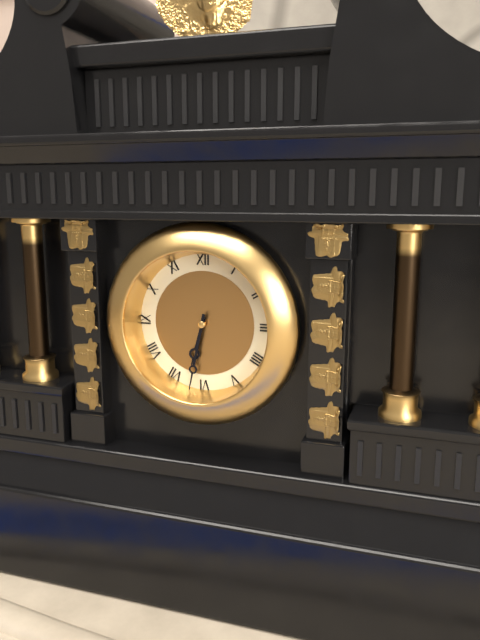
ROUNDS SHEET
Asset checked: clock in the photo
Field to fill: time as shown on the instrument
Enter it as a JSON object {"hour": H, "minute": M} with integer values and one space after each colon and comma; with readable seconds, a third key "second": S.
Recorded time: {"hour": 6, "minute": 32}
